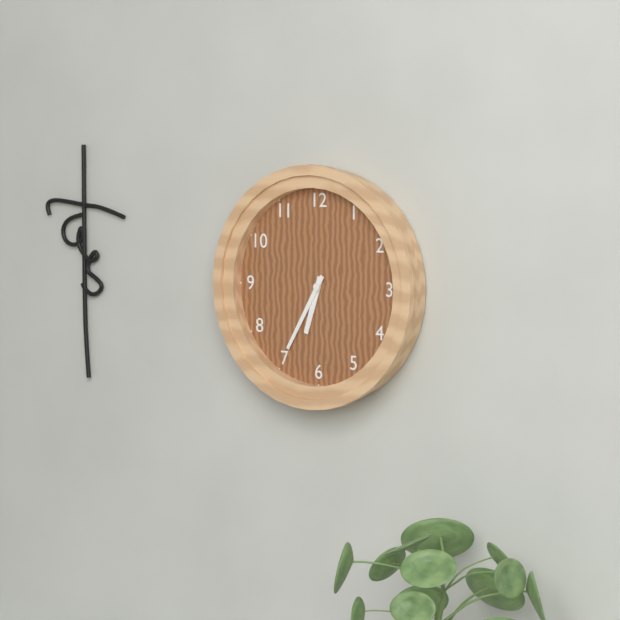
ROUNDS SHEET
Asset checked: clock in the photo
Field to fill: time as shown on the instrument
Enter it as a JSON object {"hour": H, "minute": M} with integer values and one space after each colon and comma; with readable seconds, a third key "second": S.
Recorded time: {"hour": 6, "minute": 35}
